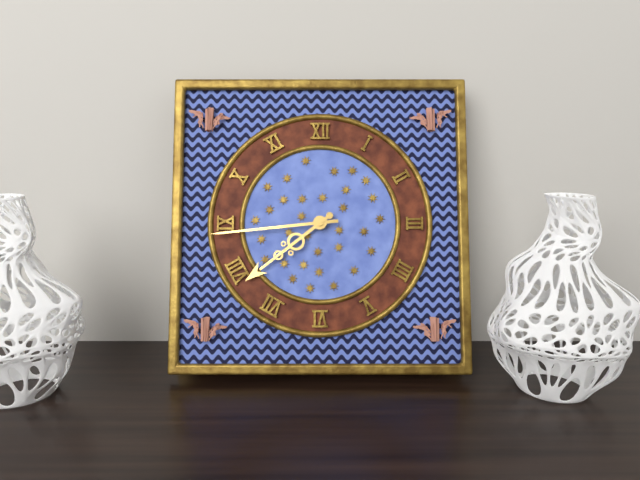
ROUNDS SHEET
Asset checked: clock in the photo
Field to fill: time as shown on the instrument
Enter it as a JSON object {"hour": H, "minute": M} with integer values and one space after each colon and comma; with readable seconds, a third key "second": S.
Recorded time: {"hour": 7, "minute": 44}
